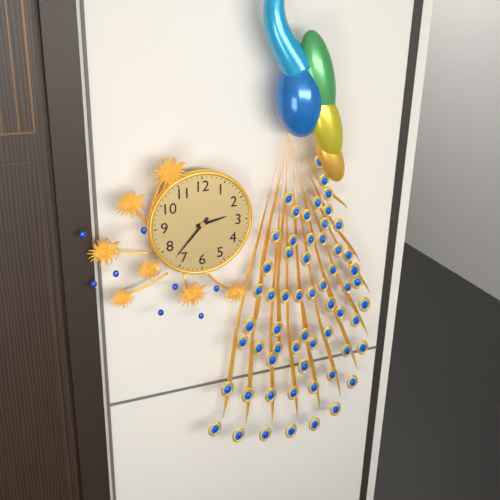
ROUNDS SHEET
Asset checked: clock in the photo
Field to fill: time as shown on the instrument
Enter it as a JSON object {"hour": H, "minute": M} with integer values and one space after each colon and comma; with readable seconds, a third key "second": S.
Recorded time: {"hour": 2, "minute": 37}
